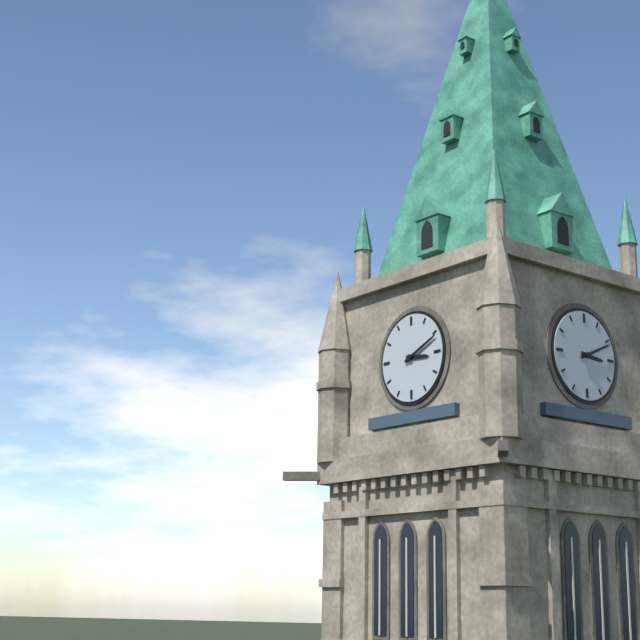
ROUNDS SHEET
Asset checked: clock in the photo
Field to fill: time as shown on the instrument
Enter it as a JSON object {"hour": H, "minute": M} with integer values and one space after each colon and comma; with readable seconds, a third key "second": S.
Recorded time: {"hour": 3, "minute": 11}
